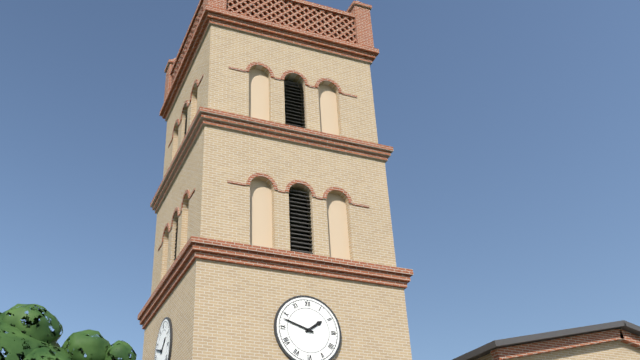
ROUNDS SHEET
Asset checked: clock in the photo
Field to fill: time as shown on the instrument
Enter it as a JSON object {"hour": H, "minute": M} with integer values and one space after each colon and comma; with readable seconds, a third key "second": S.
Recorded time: {"hour": 1, "minute": 48}
